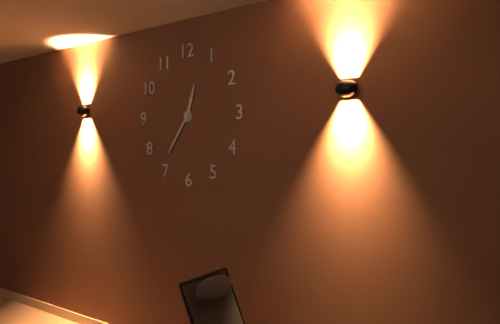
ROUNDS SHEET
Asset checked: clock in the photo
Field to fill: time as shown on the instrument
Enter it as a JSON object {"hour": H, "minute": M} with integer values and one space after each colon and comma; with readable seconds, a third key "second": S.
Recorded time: {"hour": 12, "minute": 36}
